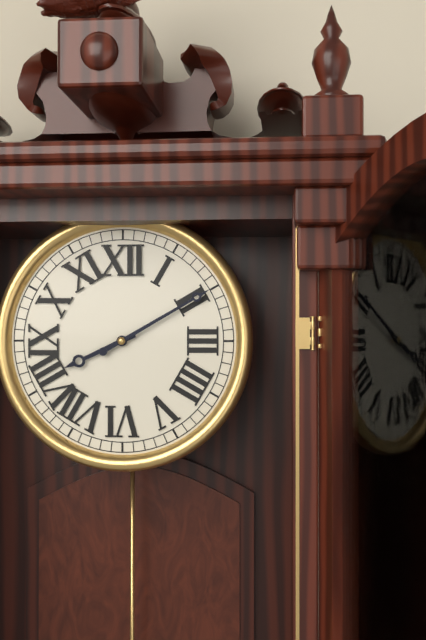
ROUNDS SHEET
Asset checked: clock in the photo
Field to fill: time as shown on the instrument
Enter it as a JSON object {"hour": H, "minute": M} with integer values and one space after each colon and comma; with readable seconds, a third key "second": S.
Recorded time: {"hour": 8, "minute": 10}
